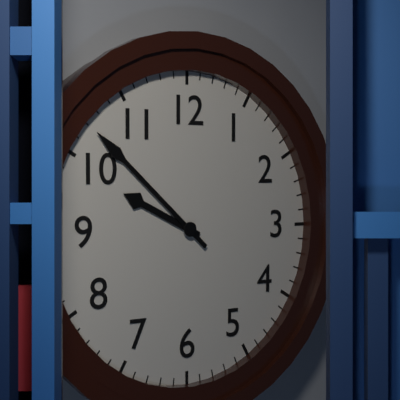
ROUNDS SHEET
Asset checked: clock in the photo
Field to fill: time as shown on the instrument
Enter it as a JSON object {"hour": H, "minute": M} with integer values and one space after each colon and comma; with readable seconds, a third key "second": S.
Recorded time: {"hour": 9, "minute": 52}
